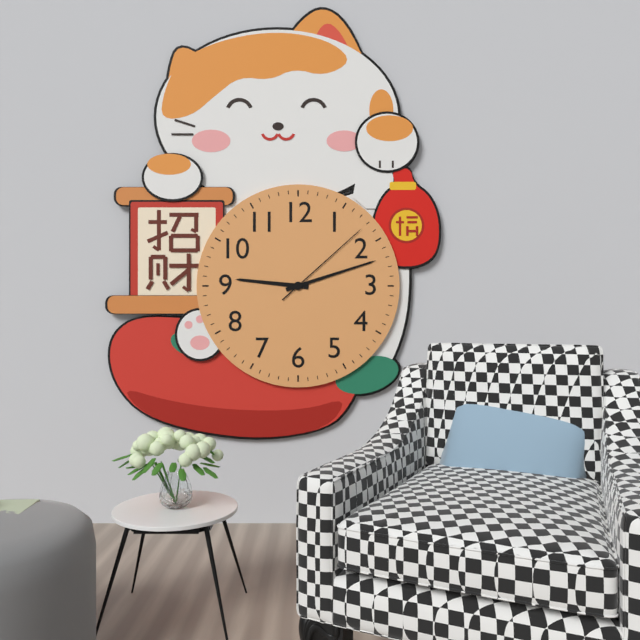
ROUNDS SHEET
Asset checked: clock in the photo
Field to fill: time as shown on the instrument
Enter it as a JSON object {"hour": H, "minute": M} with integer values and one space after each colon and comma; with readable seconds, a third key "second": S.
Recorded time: {"hour": 9, "minute": 12, "second": 8}
